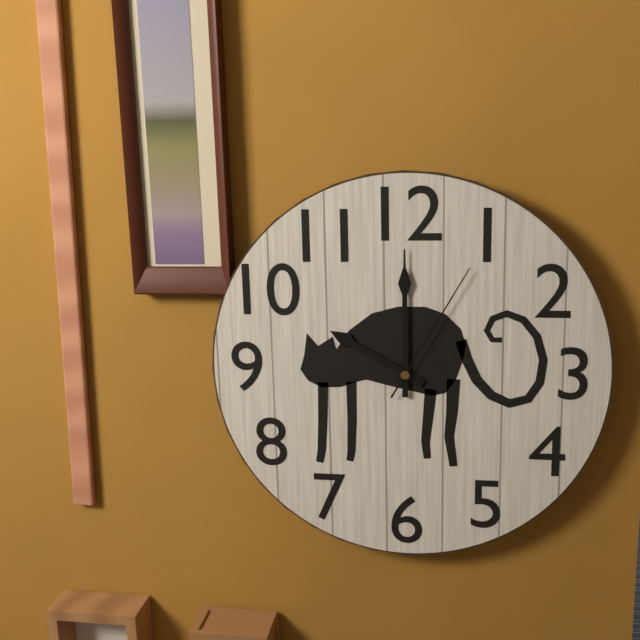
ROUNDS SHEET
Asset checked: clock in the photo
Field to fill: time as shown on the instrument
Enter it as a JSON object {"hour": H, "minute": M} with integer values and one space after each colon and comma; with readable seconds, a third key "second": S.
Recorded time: {"hour": 10, "minute": 0, "second": 5}
